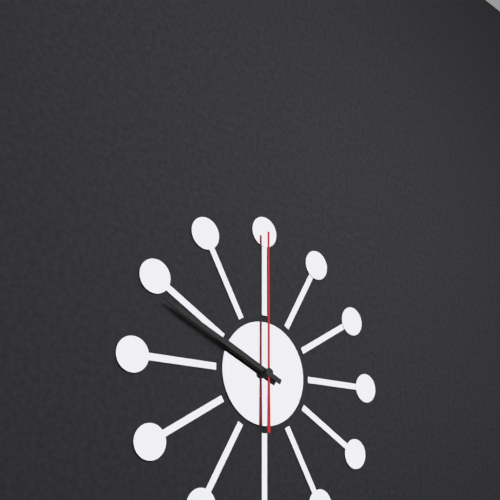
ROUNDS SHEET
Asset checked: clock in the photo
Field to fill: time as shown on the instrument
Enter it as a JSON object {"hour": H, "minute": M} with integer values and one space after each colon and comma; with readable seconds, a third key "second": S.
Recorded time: {"hour": 9, "minute": 49, "second": 0}
